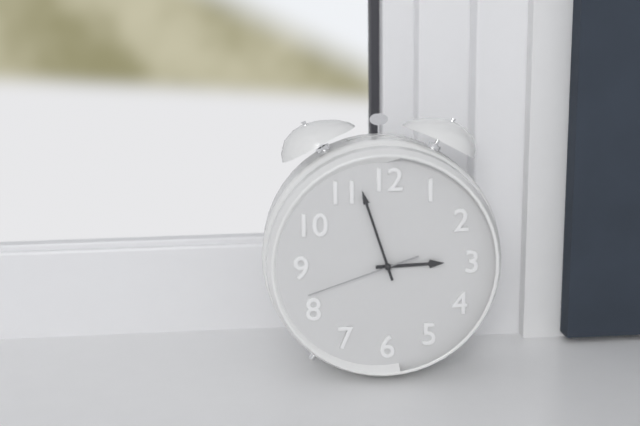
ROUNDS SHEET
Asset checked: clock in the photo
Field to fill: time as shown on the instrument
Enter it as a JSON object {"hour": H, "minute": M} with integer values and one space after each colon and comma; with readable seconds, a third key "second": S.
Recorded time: {"hour": 2, "minute": 57, "second": 42}
